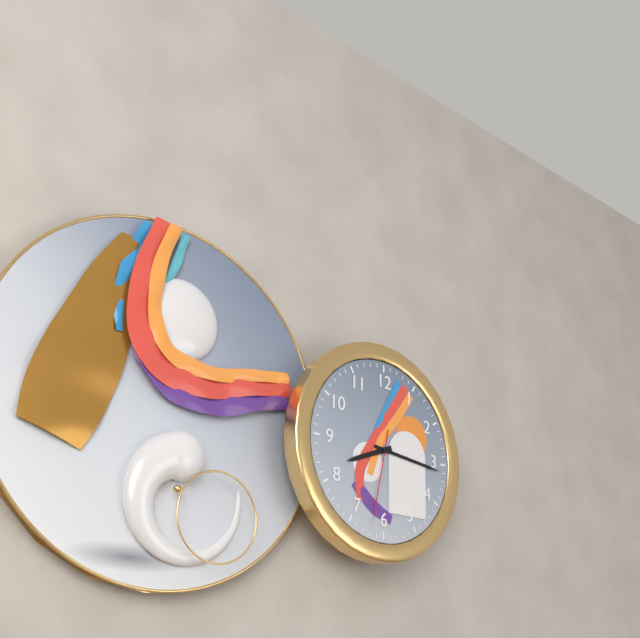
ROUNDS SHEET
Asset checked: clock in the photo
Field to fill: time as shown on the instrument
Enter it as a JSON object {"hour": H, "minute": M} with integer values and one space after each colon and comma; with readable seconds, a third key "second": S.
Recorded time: {"hour": 8, "minute": 16, "second": 32}
